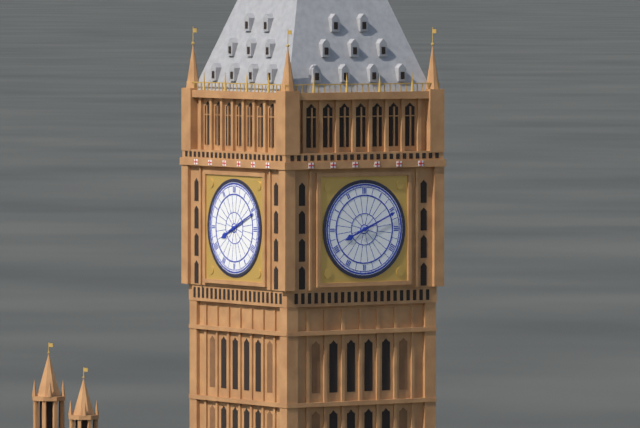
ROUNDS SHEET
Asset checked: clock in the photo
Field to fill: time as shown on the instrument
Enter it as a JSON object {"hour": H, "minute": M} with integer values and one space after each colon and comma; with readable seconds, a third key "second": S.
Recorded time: {"hour": 8, "minute": 11}
